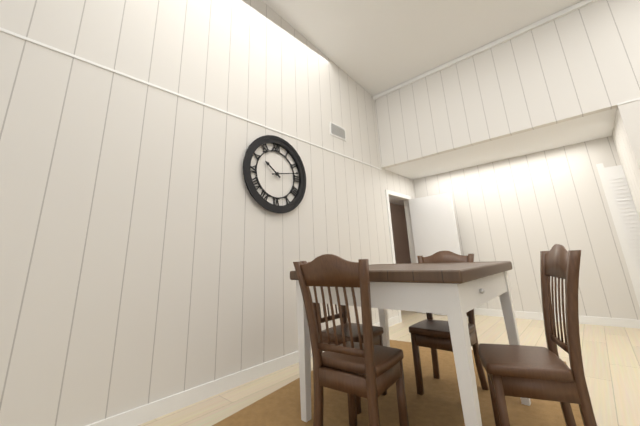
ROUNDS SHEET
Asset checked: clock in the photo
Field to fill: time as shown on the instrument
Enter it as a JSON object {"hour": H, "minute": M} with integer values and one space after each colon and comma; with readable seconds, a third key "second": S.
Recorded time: {"hour": 10, "minute": 13}
